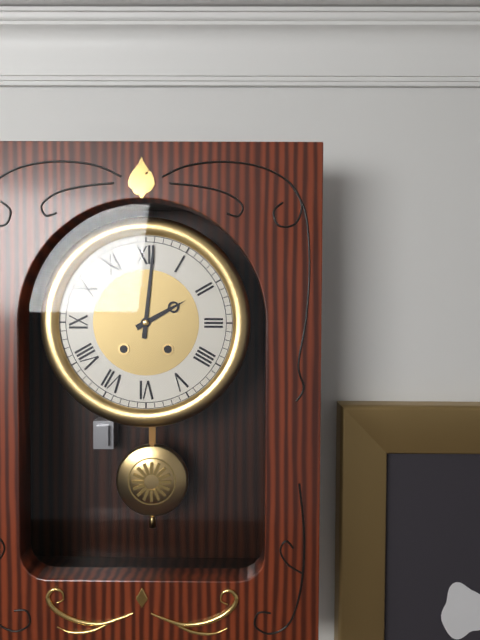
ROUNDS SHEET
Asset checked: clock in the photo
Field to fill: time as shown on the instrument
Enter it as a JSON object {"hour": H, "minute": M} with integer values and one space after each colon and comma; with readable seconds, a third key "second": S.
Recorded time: {"hour": 2, "minute": 1}
